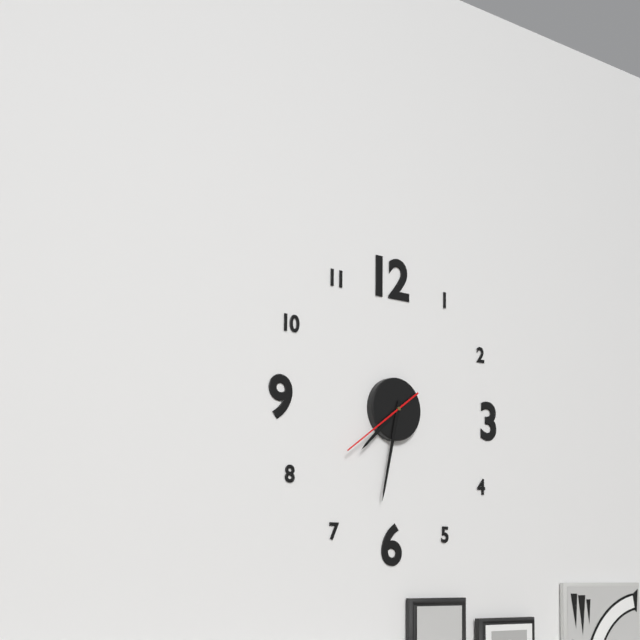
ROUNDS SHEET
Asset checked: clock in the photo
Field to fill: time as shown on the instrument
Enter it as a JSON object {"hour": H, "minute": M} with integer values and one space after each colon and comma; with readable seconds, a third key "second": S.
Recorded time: {"hour": 7, "minute": 32, "second": 39}
